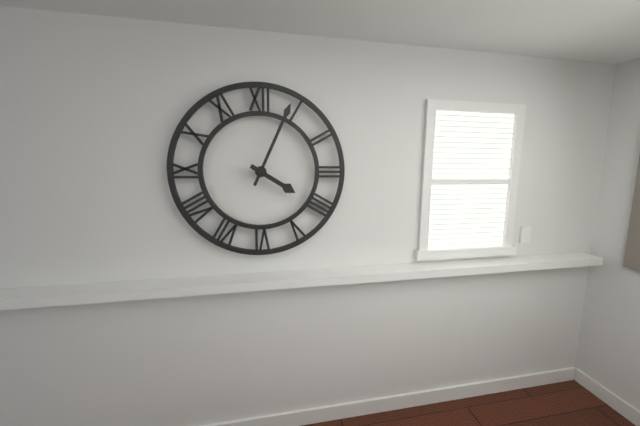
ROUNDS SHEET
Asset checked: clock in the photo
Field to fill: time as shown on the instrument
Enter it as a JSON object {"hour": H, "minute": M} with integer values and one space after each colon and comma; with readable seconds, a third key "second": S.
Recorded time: {"hour": 4, "minute": 4}
